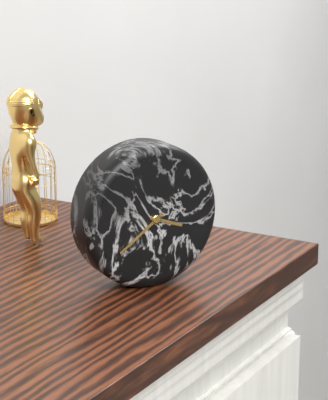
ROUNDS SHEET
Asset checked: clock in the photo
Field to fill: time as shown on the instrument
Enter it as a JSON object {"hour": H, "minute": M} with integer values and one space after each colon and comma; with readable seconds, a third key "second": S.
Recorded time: {"hour": 3, "minute": 39}
